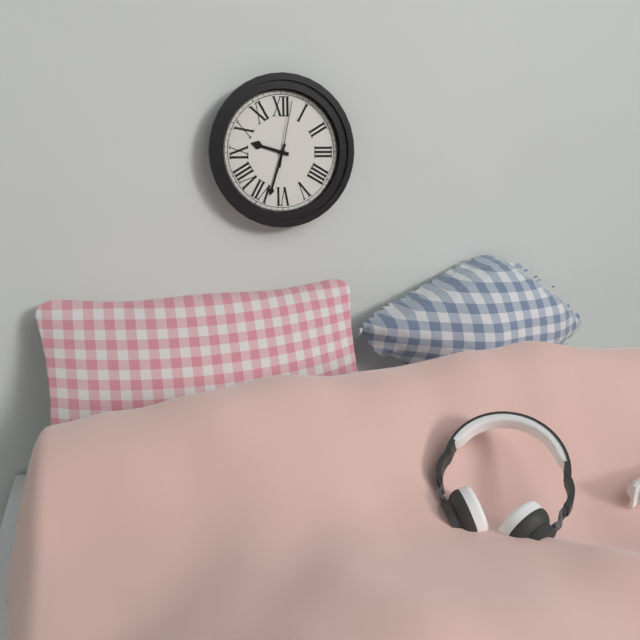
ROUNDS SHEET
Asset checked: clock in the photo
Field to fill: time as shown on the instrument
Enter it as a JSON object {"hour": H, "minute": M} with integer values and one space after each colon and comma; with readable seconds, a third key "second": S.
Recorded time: {"hour": 9, "minute": 33, "second": 2}
